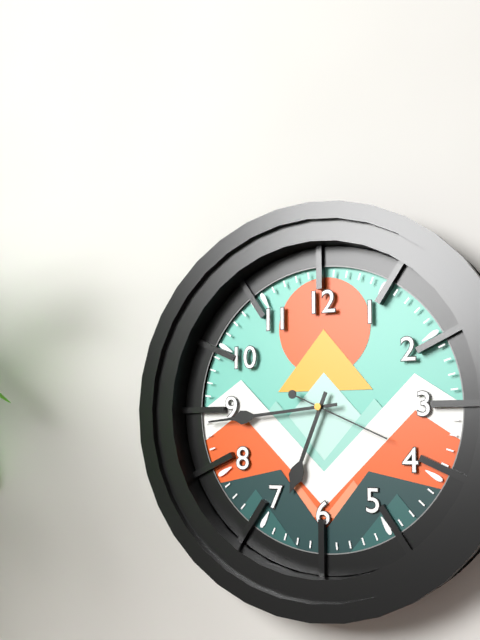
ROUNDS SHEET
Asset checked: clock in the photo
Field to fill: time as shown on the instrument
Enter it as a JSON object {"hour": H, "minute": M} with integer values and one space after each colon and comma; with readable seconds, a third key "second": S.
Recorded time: {"hour": 6, "minute": 44, "second": 19}
